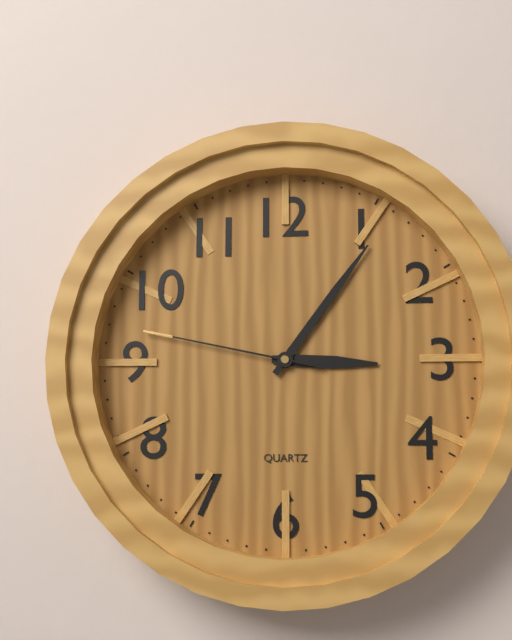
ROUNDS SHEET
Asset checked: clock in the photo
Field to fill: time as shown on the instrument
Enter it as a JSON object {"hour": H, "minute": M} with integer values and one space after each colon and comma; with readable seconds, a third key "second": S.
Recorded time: {"hour": 3, "minute": 6, "second": 47}
